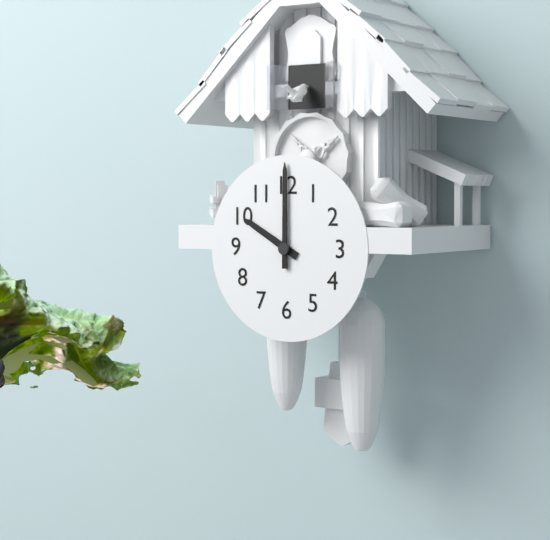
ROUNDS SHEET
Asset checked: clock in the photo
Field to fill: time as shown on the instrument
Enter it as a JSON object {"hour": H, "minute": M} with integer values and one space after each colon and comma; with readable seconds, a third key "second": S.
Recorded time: {"hour": 10, "minute": 0}
